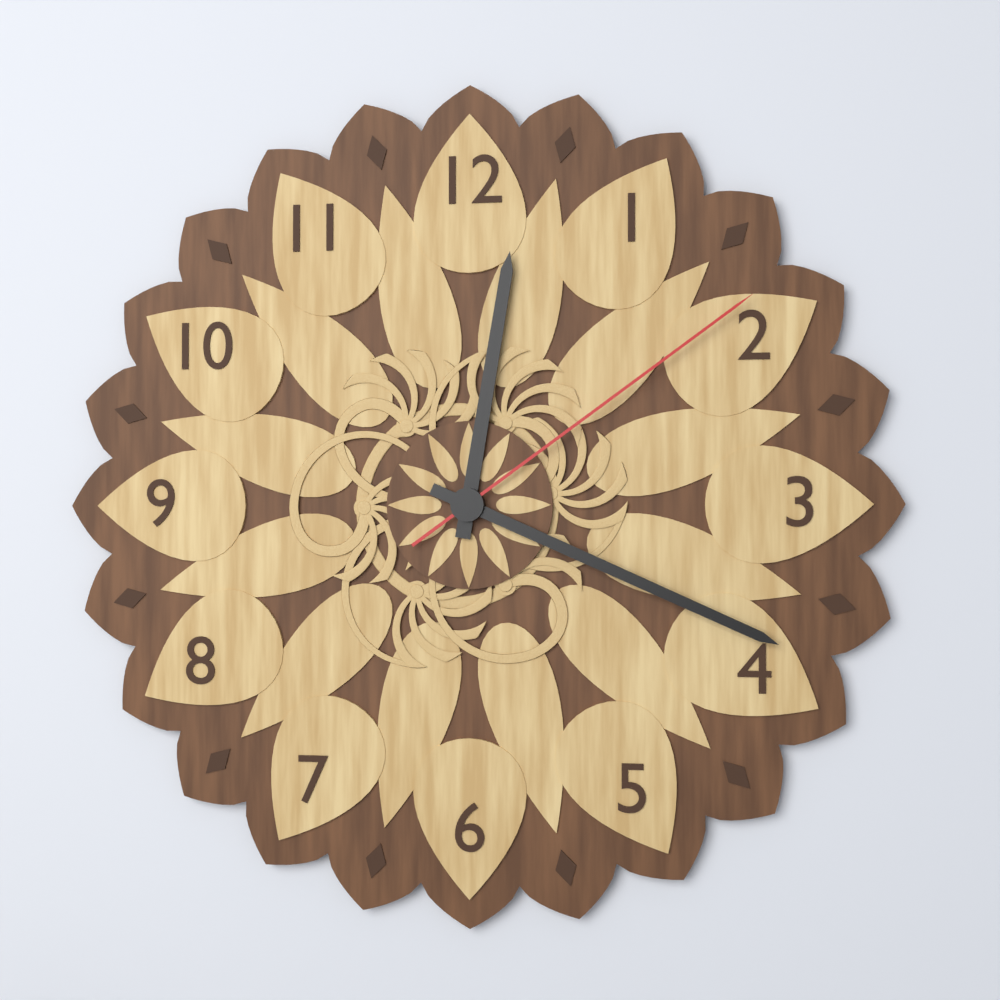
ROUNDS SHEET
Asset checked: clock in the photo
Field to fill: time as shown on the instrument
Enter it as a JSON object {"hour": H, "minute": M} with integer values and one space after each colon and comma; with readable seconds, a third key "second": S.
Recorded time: {"hour": 12, "minute": 19, "second": 9}
